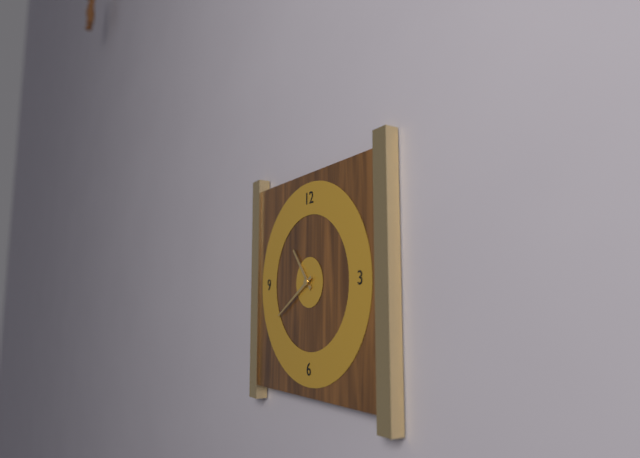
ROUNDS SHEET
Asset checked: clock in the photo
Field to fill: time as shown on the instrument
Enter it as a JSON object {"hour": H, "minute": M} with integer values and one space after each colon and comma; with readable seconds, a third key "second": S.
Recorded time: {"hour": 10, "minute": 40}
